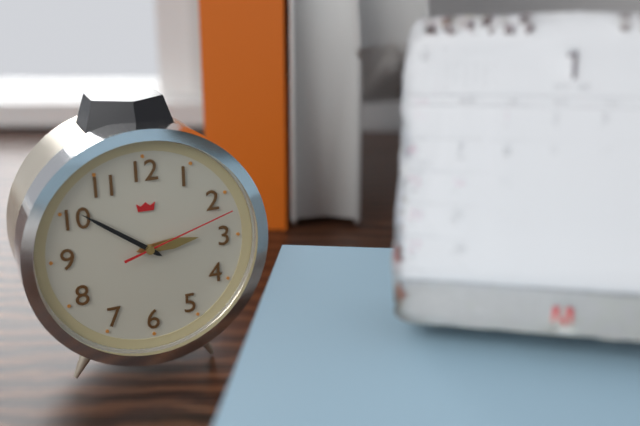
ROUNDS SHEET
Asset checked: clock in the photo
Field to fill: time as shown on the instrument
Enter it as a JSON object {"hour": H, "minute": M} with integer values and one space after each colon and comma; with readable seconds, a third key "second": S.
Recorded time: {"hour": 2, "minute": 51, "second": 12}
